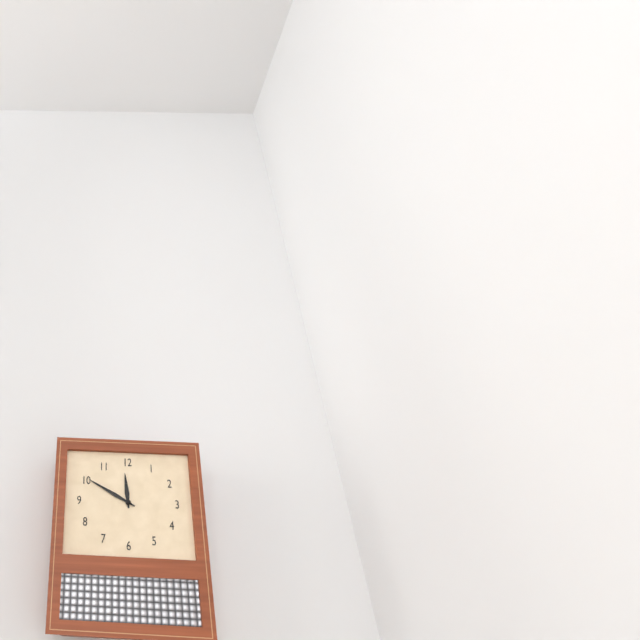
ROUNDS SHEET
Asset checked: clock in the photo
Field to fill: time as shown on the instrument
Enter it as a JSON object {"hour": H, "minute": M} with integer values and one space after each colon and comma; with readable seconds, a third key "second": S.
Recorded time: {"hour": 11, "minute": 50}
